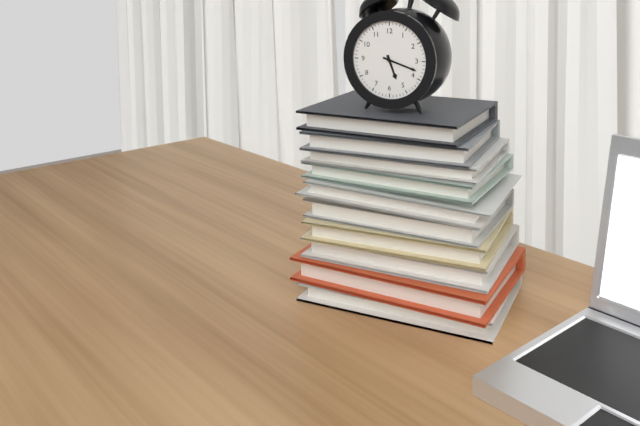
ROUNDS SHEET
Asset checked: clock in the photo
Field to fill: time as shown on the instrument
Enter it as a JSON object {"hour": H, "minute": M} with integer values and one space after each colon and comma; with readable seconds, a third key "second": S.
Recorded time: {"hour": 5, "minute": 18}
